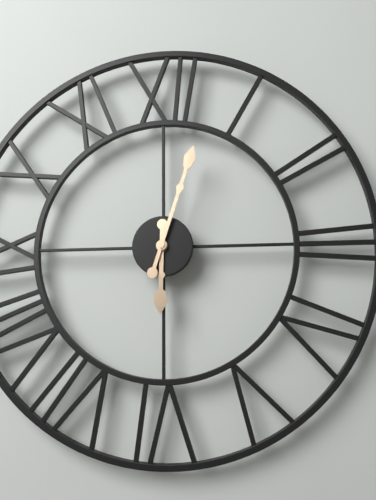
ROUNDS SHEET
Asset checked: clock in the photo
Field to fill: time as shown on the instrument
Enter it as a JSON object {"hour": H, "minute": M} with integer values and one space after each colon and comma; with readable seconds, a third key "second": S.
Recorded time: {"hour": 6, "minute": 3}
